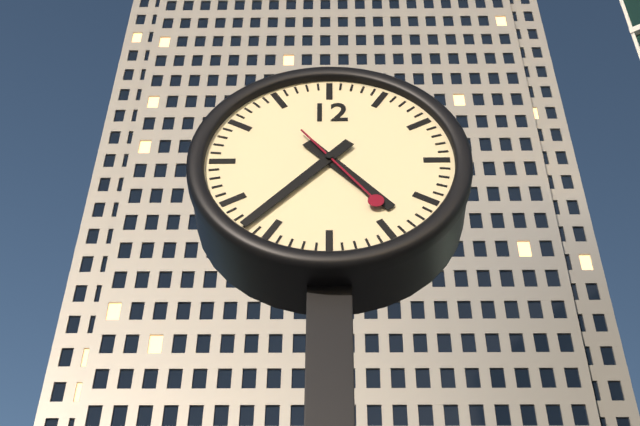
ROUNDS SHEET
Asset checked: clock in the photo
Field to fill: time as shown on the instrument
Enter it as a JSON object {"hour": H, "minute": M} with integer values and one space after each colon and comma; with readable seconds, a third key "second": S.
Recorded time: {"hour": 4, "minute": 37, "second": 24}
